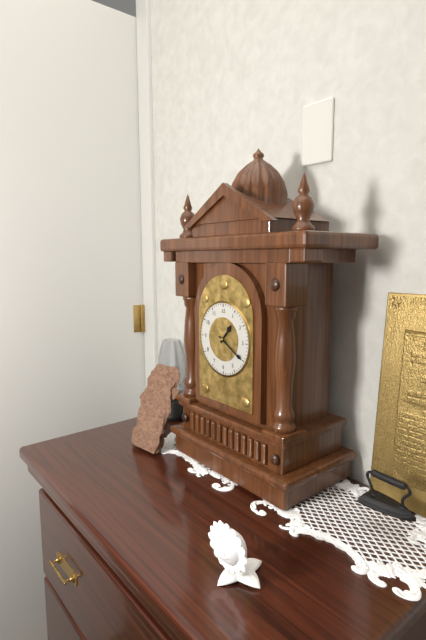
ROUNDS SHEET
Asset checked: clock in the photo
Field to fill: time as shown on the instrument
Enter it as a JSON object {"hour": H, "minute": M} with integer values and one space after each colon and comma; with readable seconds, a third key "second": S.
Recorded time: {"hour": 1, "minute": 20}
